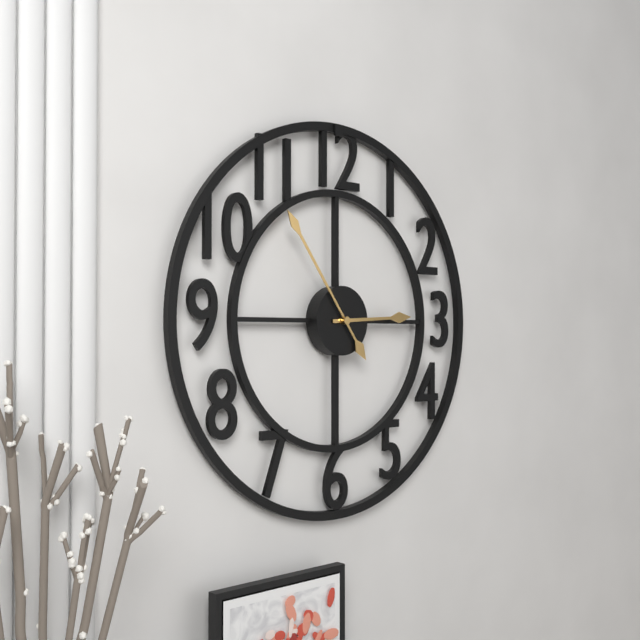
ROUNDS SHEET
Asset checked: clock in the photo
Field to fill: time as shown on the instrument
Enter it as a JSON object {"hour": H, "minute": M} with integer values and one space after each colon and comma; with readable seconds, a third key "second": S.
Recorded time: {"hour": 2, "minute": 54}
